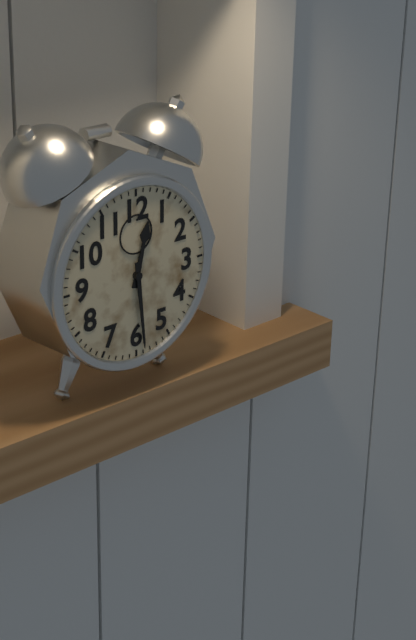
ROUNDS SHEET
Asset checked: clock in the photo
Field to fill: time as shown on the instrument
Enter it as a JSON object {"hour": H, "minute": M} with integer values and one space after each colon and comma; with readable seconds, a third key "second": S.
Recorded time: {"hour": 12, "minute": 29}
